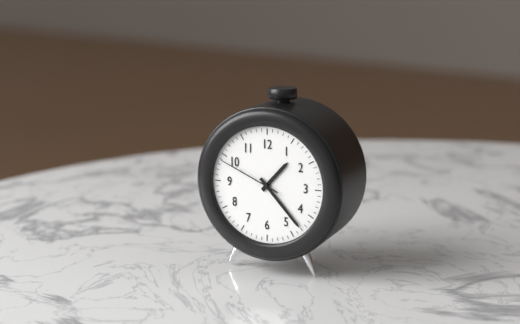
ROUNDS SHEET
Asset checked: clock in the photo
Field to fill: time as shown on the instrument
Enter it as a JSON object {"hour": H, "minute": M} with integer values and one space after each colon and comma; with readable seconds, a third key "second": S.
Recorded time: {"hour": 1, "minute": 23, "second": 49}
